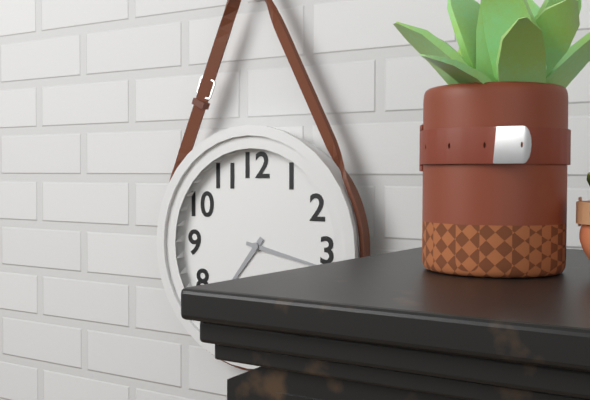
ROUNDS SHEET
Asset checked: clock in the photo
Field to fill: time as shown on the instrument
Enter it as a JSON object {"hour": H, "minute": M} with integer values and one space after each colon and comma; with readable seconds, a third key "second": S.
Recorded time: {"hour": 7, "minute": 17}
